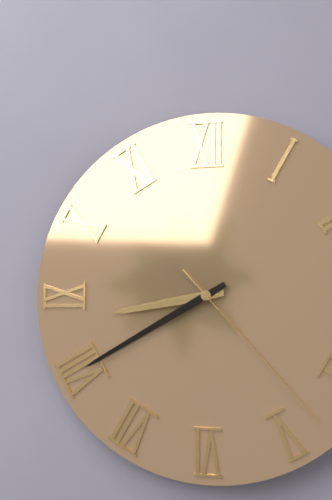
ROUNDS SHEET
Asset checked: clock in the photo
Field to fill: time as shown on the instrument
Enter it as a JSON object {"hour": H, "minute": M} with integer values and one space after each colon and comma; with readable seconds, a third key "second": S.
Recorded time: {"hour": 8, "minute": 40, "second": 23}
